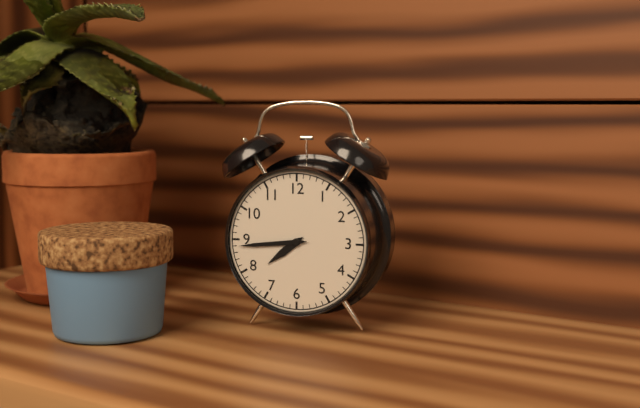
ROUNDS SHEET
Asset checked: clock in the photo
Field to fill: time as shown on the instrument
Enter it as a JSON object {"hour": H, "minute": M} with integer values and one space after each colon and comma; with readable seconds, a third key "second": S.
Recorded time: {"hour": 7, "minute": 44}
